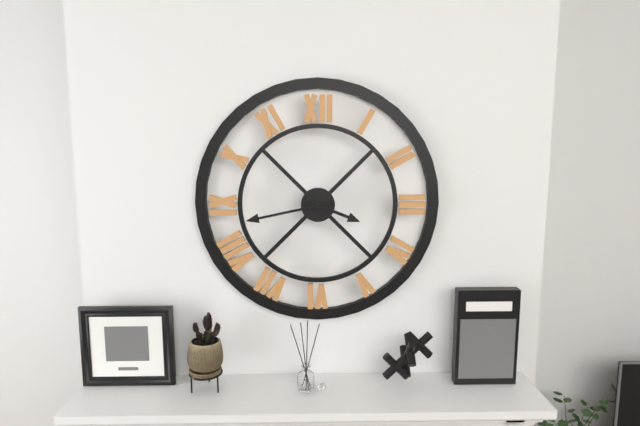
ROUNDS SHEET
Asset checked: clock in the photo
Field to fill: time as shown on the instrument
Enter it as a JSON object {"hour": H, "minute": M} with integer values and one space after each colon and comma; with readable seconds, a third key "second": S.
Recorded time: {"hour": 3, "minute": 43}
